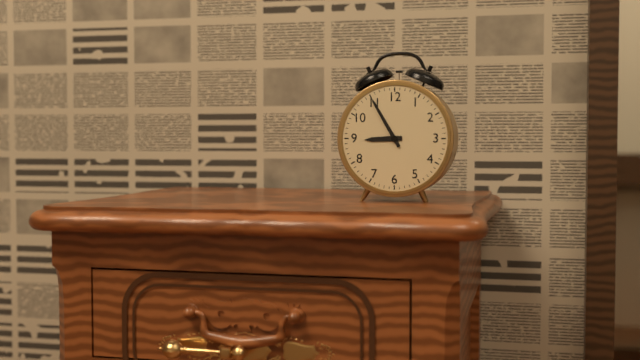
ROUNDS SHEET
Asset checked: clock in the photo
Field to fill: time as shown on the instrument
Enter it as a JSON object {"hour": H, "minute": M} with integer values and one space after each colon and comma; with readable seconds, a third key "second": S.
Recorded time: {"hour": 8, "minute": 55}
